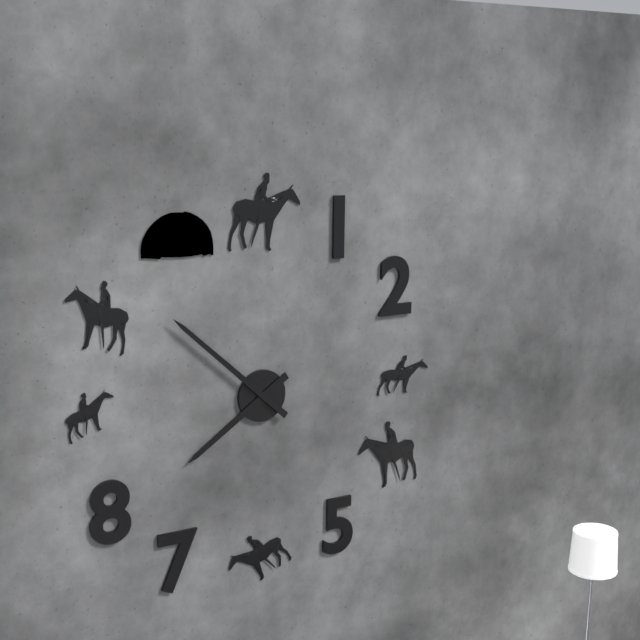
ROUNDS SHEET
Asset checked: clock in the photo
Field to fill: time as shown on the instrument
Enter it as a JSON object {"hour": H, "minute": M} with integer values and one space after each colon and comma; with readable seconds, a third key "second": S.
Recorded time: {"hour": 7, "minute": 52}
